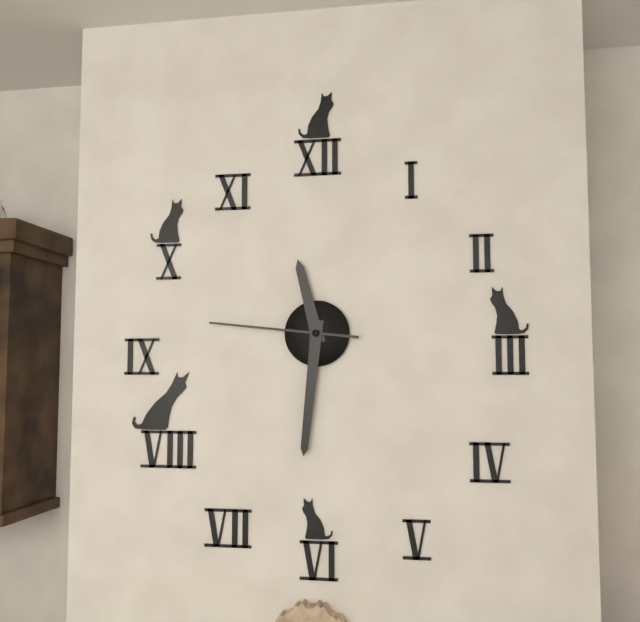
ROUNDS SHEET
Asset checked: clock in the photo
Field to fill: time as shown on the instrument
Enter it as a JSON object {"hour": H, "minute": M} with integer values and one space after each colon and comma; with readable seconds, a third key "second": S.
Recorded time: {"hour": 11, "minute": 31, "second": 46}
